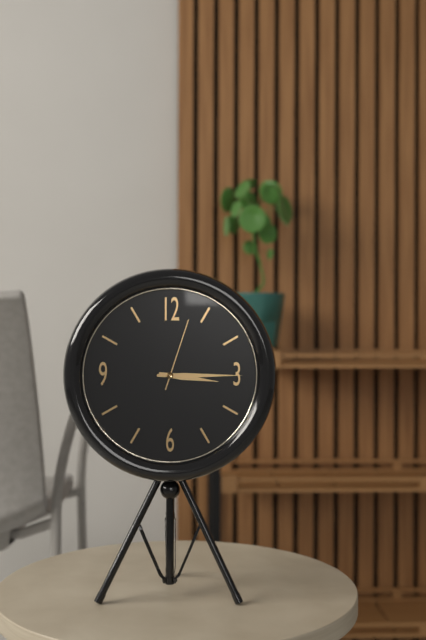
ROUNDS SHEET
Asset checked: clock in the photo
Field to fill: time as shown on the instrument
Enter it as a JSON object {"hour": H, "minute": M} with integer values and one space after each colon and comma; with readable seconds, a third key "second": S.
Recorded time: {"hour": 3, "minute": 15, "second": 3}
